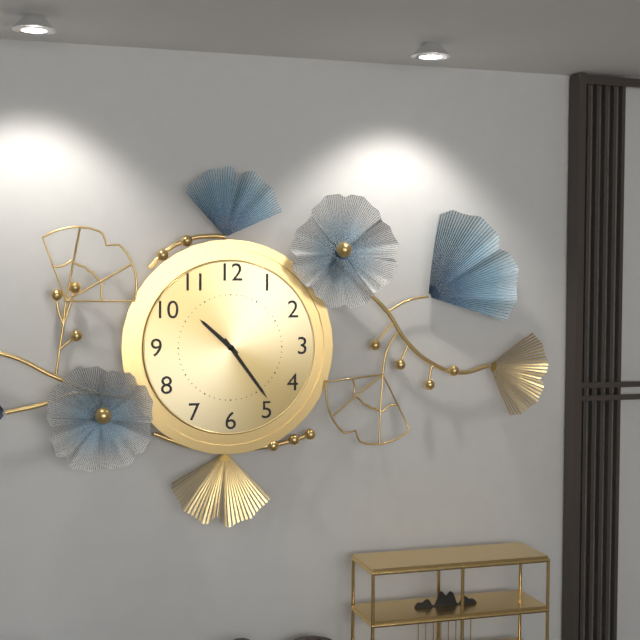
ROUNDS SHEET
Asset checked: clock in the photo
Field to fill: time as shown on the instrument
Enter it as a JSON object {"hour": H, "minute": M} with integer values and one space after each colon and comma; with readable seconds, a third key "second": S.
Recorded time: {"hour": 10, "minute": 24}
